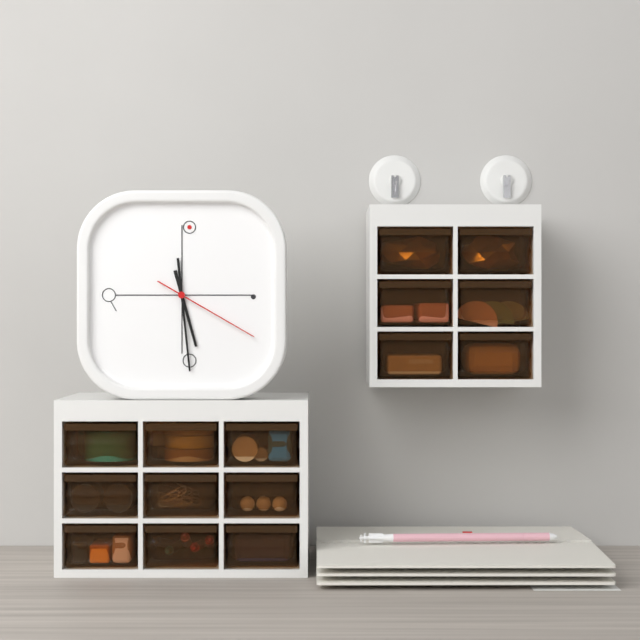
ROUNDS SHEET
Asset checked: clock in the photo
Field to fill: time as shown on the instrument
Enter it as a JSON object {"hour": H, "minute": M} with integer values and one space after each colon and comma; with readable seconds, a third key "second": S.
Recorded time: {"hour": 5, "minute": 29, "second": 20}
